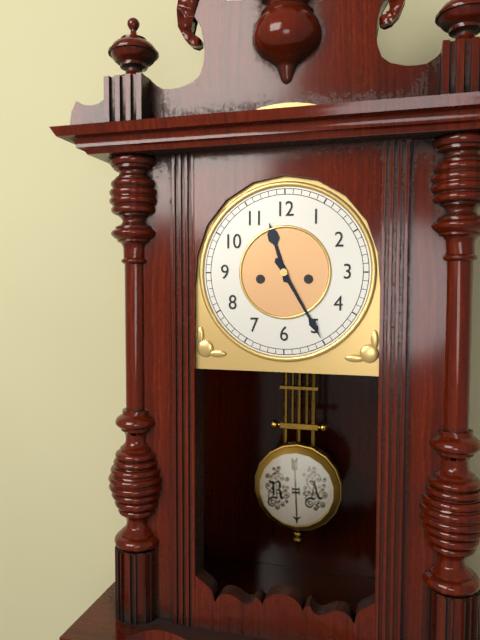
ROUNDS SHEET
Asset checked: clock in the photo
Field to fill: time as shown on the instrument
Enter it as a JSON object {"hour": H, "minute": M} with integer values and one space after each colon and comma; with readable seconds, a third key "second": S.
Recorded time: {"hour": 11, "minute": 25}
